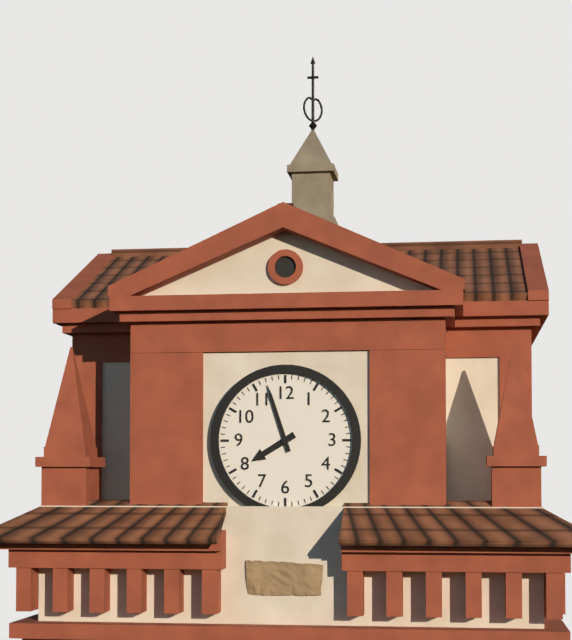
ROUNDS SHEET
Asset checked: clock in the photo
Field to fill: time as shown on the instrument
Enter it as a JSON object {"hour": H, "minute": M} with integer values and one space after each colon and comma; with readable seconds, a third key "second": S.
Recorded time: {"hour": 7, "minute": 57}
